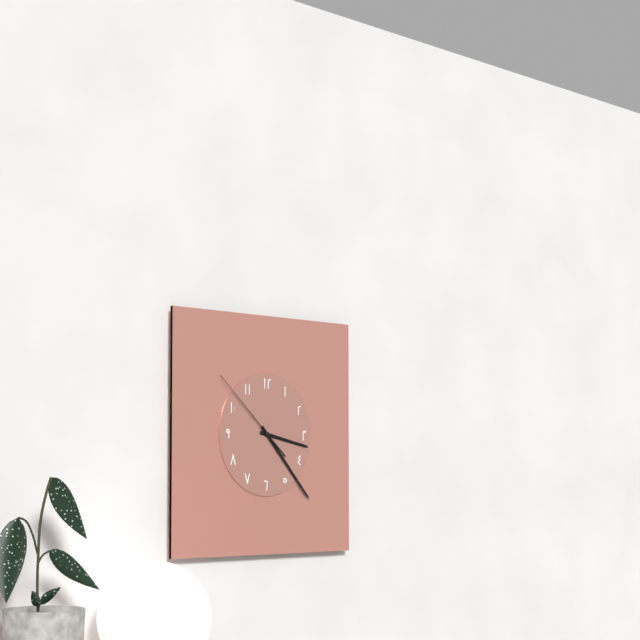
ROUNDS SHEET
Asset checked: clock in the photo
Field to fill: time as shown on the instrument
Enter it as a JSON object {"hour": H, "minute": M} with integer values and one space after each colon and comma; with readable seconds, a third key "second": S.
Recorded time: {"hour": 3, "minute": 23, "second": 52}
